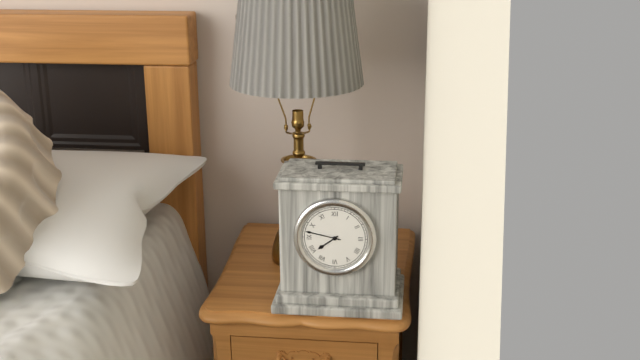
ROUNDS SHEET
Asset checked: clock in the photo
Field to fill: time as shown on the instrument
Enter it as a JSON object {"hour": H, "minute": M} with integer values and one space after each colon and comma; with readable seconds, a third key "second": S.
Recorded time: {"hour": 7, "minute": 47}
